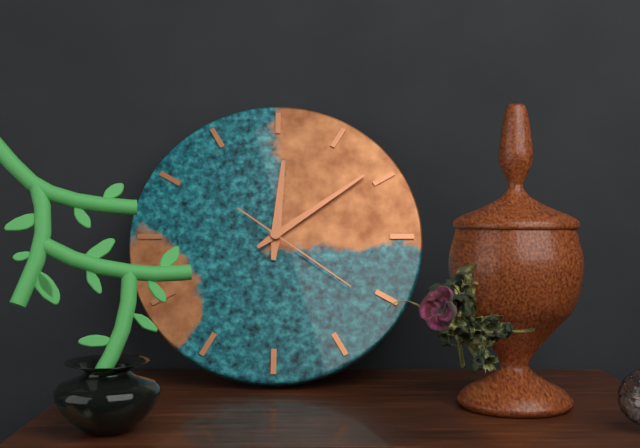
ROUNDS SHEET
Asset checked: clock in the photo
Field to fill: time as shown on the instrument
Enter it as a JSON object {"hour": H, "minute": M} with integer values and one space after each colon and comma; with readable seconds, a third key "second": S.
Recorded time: {"hour": 12, "minute": 9, "second": 21}
